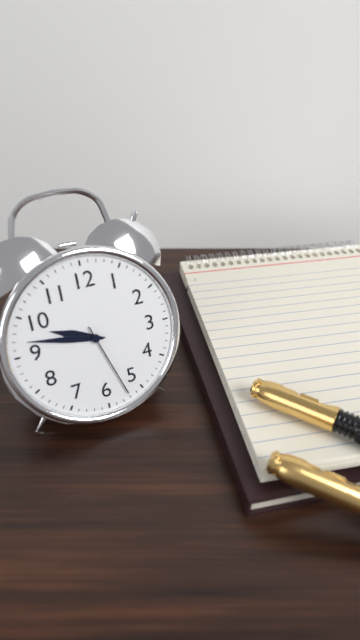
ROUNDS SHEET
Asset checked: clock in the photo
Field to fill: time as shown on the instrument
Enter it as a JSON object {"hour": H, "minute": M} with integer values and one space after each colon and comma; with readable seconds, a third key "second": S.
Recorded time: {"hour": 9, "minute": 47, "second": 27}
